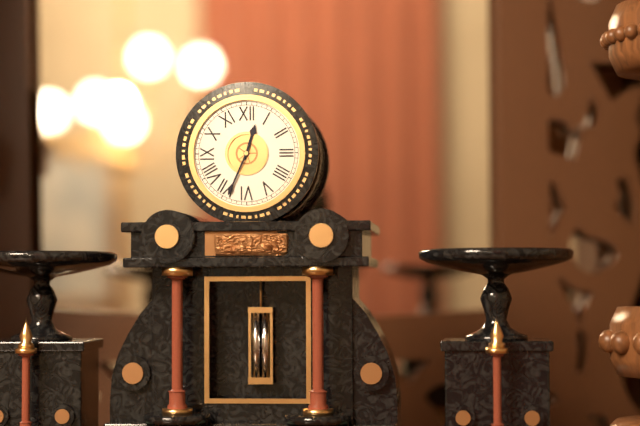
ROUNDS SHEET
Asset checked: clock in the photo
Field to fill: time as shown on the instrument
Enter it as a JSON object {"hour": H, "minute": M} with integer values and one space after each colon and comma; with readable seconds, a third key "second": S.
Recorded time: {"hour": 12, "minute": 34}
